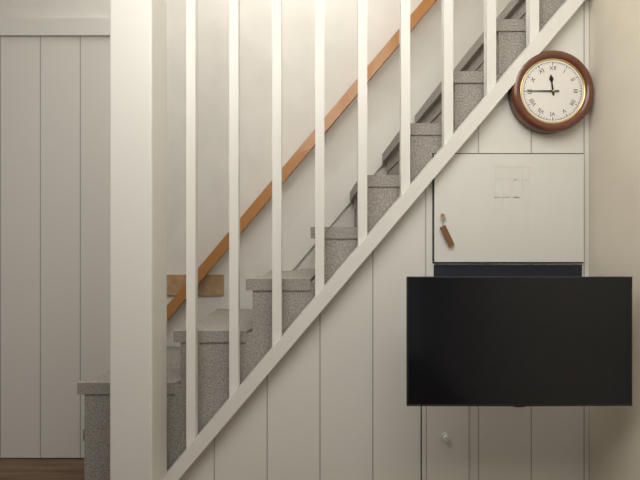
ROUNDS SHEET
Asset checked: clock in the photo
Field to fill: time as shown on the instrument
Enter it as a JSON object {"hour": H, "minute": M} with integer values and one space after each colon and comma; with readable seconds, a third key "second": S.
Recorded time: {"hour": 11, "minute": 45}
